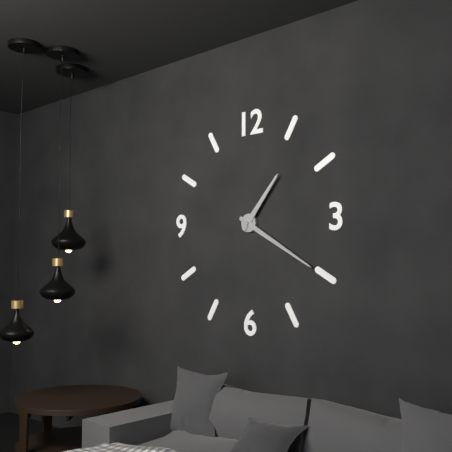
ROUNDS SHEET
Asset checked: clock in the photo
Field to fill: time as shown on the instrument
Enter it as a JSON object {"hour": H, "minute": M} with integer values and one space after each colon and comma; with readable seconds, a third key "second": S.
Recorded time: {"hour": 1, "minute": 20}
